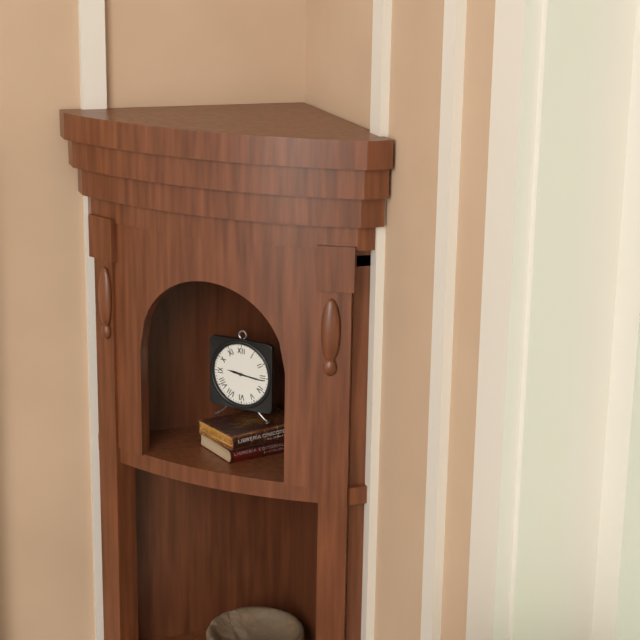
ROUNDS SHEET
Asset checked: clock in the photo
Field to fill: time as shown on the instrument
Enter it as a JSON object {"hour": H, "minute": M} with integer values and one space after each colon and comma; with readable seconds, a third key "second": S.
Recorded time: {"hour": 9, "minute": 16}
